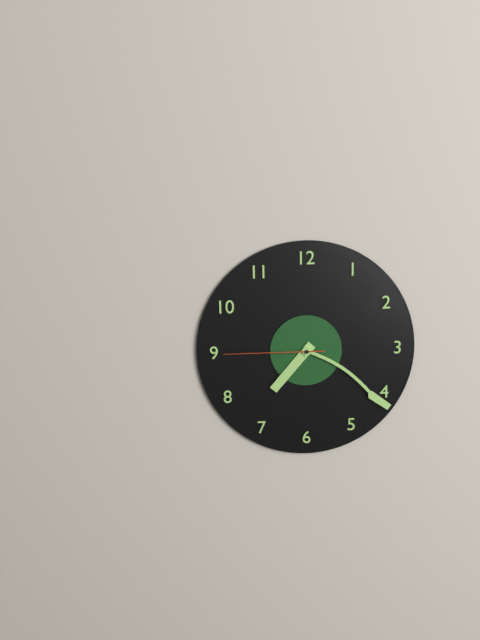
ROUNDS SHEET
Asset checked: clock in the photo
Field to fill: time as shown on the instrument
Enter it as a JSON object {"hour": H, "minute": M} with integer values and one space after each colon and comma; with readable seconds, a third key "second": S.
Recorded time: {"hour": 7, "minute": 21, "second": 45}
